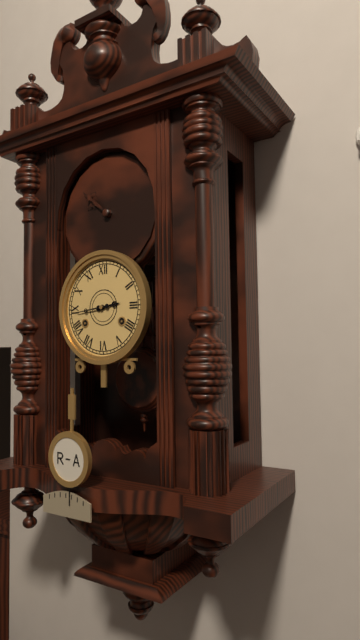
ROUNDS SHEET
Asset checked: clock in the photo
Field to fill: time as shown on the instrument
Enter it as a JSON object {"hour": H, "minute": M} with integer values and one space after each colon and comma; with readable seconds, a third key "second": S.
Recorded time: {"hour": 2, "minute": 44}
